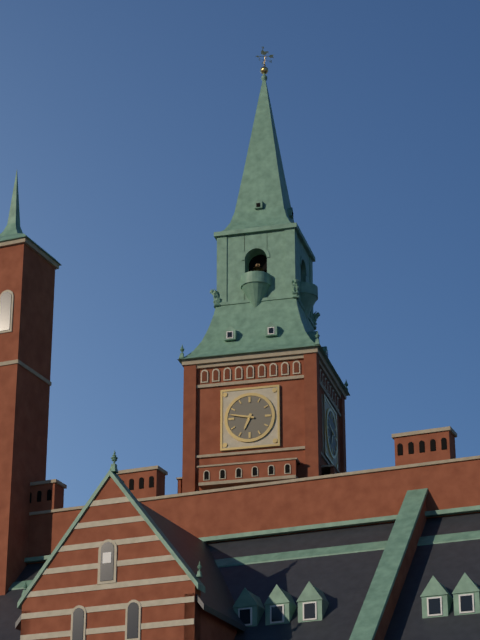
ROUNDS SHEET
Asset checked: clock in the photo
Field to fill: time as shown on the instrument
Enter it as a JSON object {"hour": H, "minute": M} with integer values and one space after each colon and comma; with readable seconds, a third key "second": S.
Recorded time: {"hour": 6, "minute": 47}
